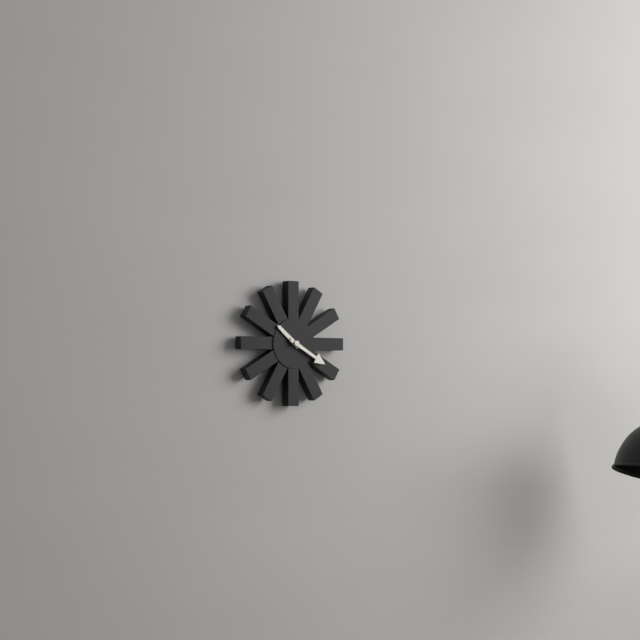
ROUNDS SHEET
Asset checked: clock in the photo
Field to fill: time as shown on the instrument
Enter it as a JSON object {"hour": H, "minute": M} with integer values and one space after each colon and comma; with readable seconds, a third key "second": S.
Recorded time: {"hour": 10, "minute": 20}
